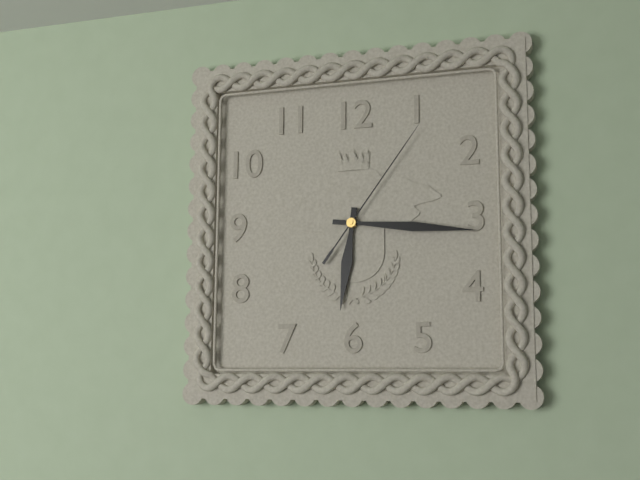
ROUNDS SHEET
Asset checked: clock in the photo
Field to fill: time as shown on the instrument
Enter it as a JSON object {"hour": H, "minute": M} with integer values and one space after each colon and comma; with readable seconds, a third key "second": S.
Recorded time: {"hour": 6, "minute": 16, "second": 6}
